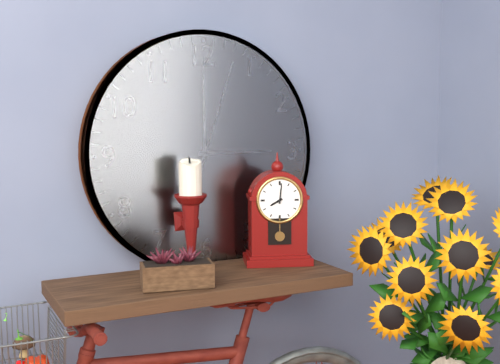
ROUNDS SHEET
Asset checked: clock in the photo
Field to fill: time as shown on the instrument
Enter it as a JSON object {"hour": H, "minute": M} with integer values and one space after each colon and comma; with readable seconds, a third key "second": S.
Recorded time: {"hour": 8, "minute": 1}
